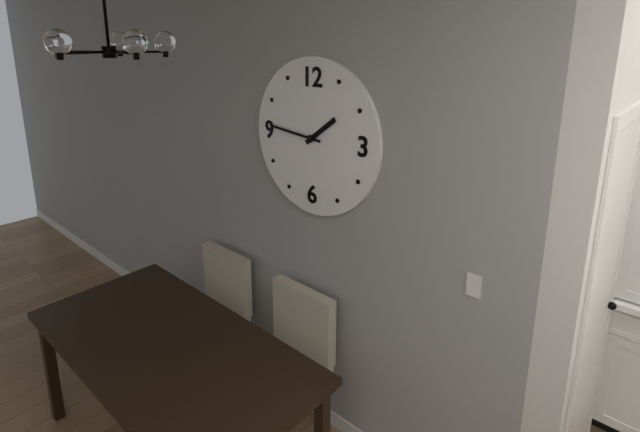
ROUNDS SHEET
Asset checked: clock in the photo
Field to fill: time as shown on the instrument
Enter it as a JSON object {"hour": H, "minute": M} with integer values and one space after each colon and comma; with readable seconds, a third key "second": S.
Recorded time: {"hour": 1, "minute": 46}
